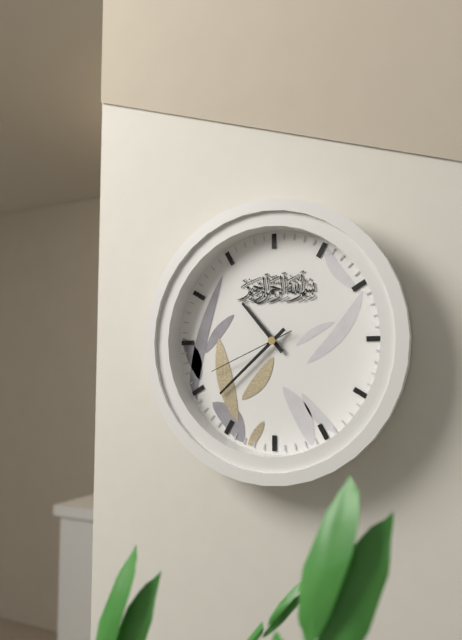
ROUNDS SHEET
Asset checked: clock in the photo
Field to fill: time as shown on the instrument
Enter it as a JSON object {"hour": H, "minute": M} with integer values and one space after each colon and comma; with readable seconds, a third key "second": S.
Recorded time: {"hour": 10, "minute": 38, "second": 41}
